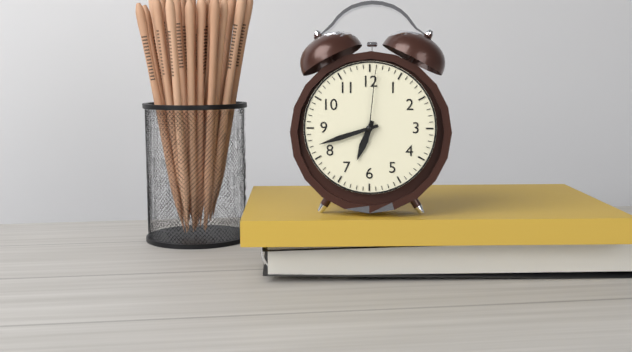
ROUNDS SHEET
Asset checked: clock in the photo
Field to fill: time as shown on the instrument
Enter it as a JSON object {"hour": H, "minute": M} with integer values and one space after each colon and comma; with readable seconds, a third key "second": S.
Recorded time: {"hour": 6, "minute": 42, "second": 1}
